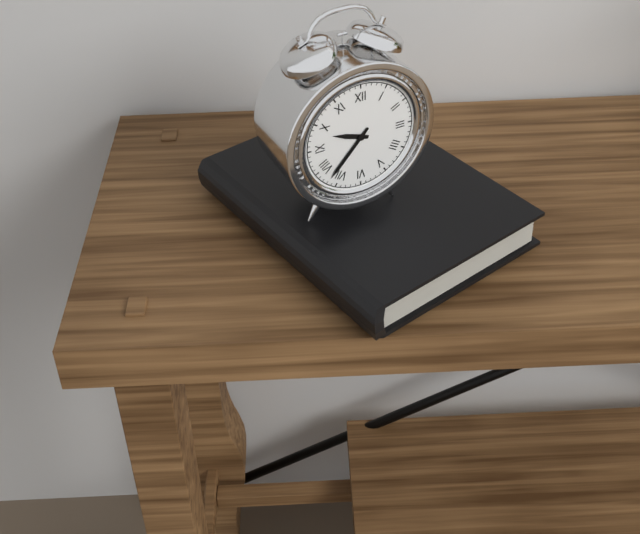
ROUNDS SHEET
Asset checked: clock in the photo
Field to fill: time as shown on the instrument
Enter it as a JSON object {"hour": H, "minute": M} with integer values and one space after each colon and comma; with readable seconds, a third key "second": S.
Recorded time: {"hour": 9, "minute": 37}
